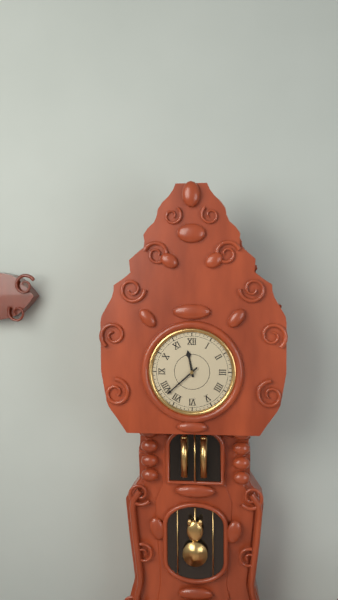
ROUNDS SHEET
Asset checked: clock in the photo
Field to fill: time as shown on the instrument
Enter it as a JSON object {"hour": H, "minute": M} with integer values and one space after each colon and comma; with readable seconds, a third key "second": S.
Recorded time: {"hour": 11, "minute": 38}
